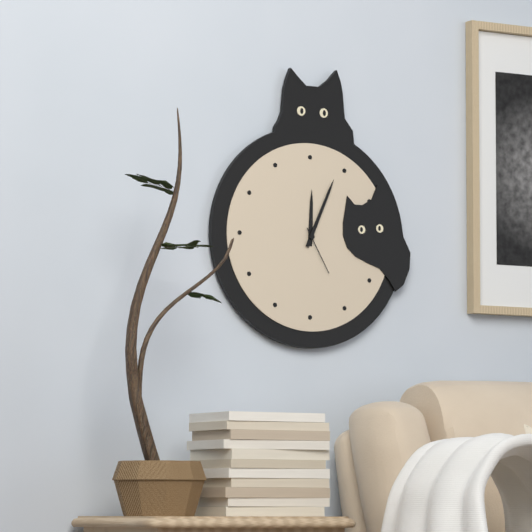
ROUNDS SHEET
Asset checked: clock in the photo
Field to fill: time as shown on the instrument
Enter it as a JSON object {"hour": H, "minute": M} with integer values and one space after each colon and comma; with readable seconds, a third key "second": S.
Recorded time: {"hour": 12, "minute": 4, "second": 25}
